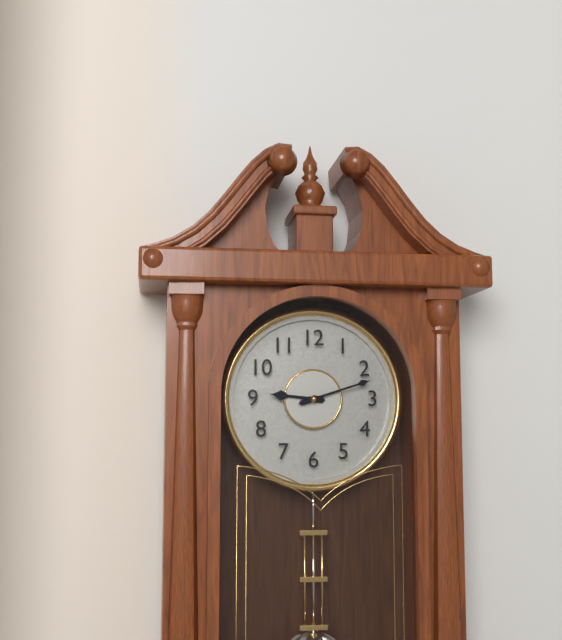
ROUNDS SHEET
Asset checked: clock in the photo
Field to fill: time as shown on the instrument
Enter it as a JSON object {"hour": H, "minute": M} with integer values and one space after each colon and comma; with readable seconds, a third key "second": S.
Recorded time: {"hour": 9, "minute": 12}
